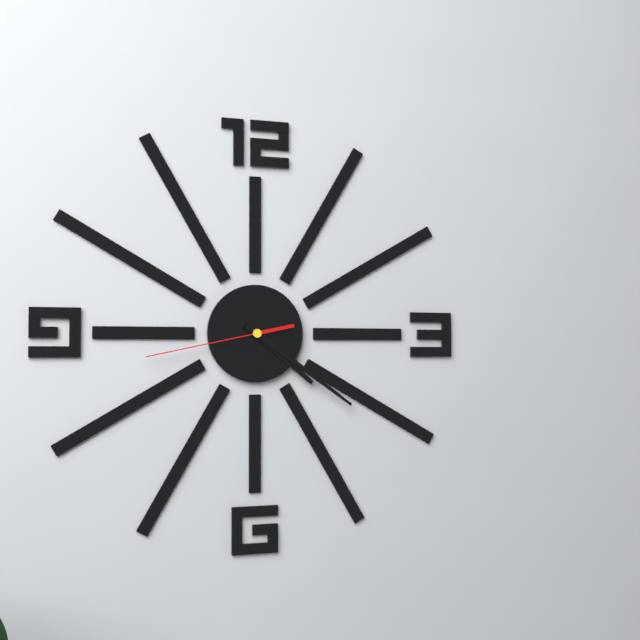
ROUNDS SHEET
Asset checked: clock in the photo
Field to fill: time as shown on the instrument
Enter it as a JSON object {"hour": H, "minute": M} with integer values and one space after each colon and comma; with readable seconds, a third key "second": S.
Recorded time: {"hour": 4, "minute": 21, "second": 43}
